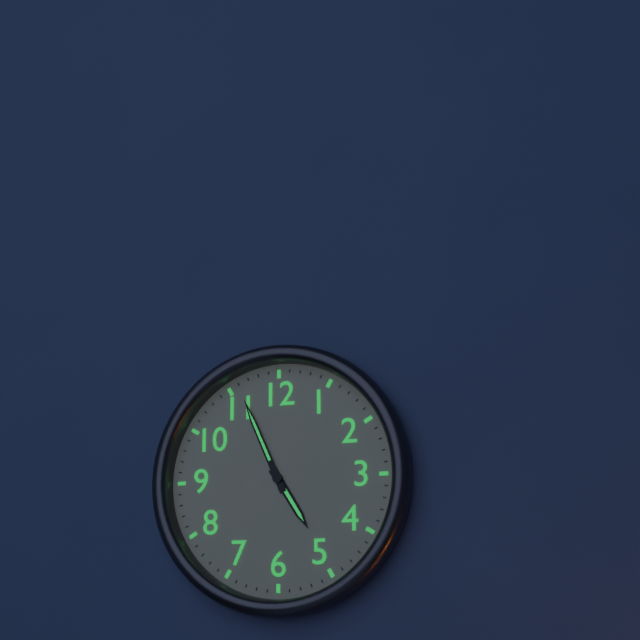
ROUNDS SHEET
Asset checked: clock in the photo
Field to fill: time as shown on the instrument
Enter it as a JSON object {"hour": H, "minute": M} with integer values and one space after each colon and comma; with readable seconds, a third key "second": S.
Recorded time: {"hour": 4, "minute": 56}
